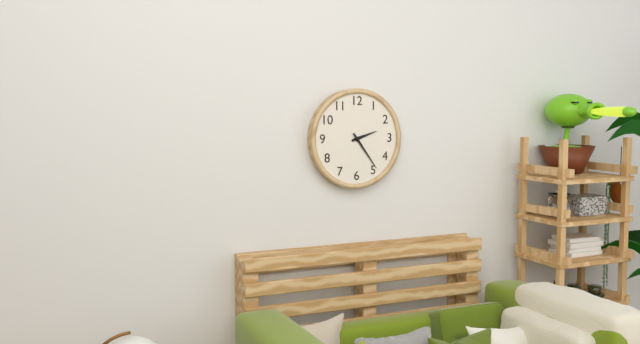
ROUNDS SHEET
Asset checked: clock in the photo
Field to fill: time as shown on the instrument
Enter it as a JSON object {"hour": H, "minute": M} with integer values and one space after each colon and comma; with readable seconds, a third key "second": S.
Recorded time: {"hour": 2, "minute": 24}
